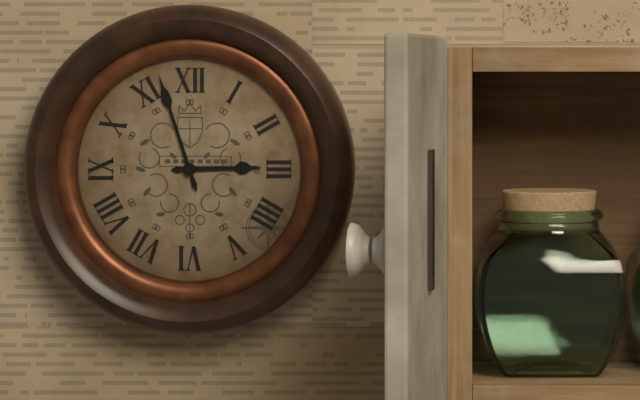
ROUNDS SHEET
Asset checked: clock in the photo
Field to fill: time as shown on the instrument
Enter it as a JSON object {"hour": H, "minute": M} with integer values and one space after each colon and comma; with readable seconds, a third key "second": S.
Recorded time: {"hour": 2, "minute": 57}
